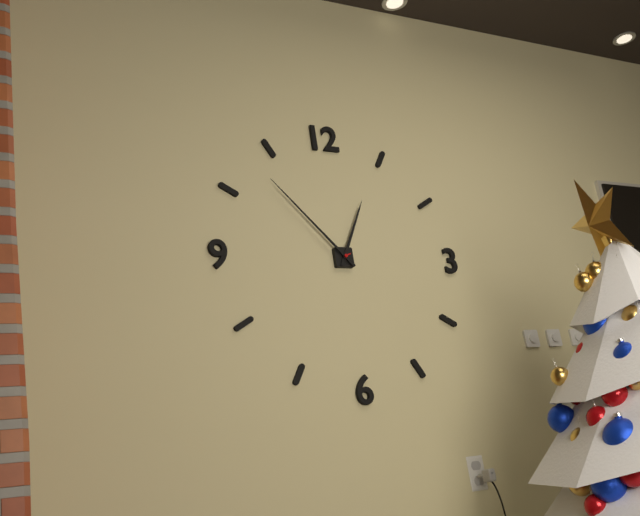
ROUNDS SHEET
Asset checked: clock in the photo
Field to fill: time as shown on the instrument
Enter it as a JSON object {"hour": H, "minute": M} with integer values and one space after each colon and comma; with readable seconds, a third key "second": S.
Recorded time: {"hour": 12, "minute": 53}
